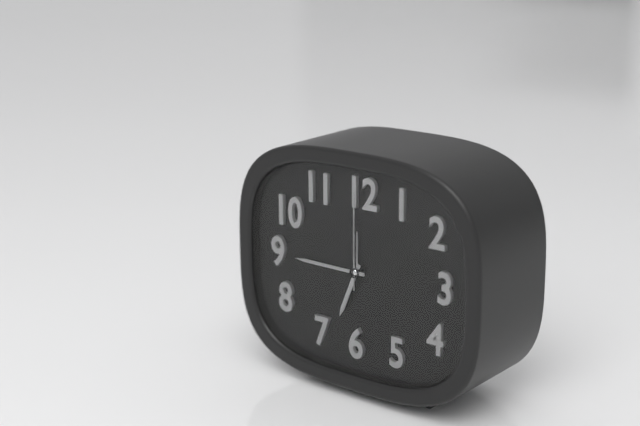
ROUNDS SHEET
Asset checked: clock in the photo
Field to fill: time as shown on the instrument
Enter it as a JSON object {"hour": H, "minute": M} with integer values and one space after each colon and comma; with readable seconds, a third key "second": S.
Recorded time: {"hour": 6, "minute": 45, "second": 0}
